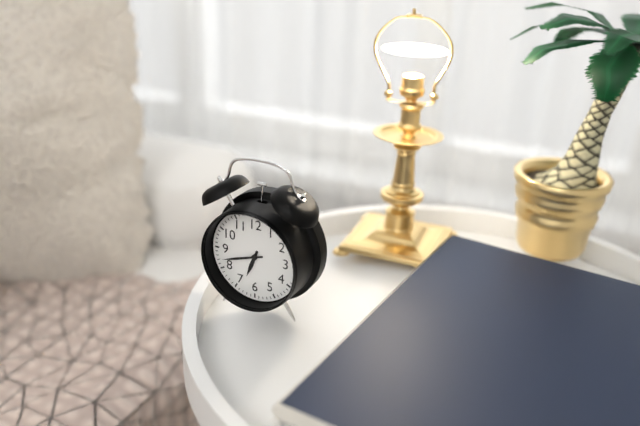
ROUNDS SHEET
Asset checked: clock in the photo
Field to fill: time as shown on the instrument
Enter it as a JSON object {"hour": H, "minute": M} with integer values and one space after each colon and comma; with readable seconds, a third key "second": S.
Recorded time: {"hour": 6, "minute": 42}
